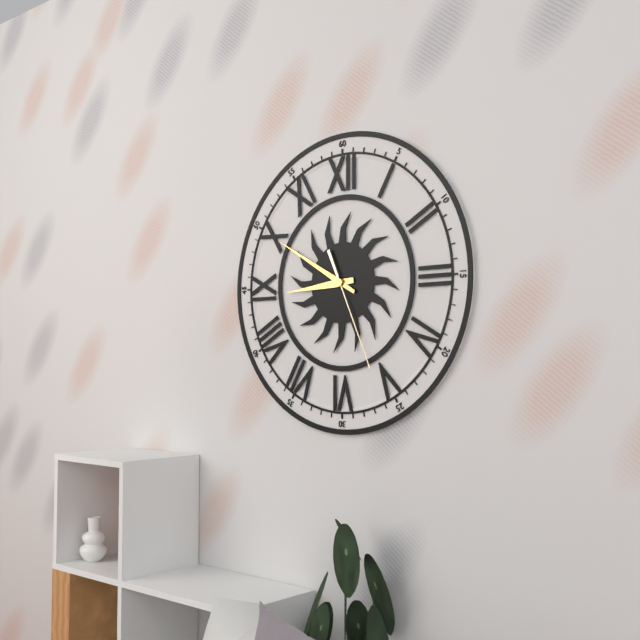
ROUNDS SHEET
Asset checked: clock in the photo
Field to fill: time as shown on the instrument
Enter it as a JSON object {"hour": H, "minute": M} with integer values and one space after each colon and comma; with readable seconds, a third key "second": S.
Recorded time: {"hour": 8, "minute": 50, "second": 26}
